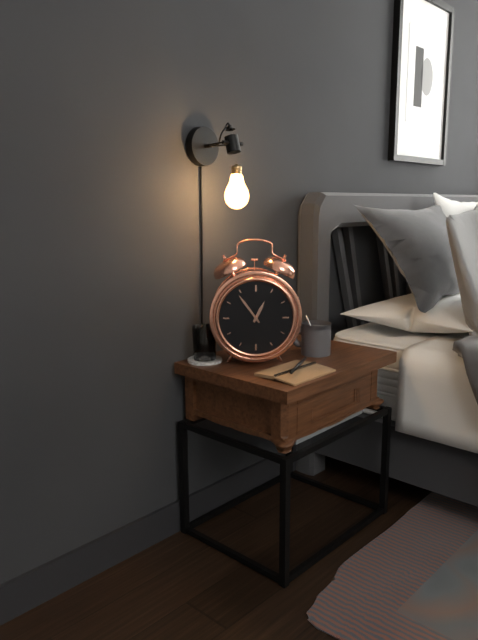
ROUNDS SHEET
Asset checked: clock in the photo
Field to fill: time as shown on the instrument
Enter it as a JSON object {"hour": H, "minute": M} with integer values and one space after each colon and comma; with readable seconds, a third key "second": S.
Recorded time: {"hour": 12, "minute": 54}
